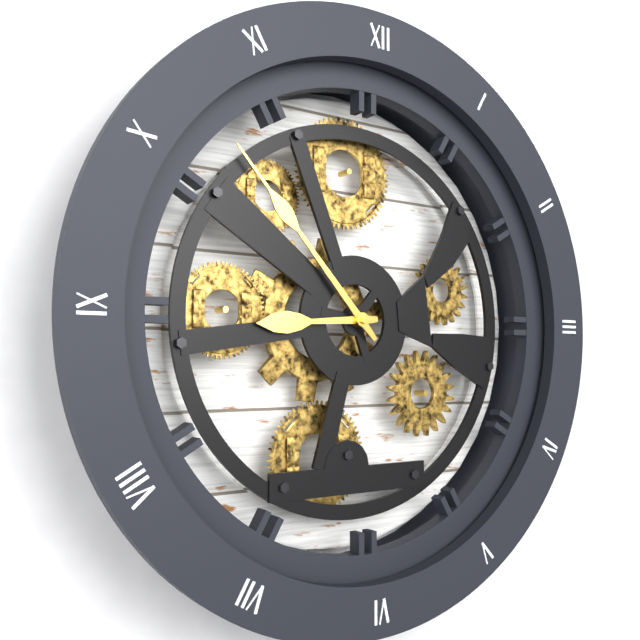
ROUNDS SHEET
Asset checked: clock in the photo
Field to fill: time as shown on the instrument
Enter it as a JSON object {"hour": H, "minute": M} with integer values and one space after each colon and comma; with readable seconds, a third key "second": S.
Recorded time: {"hour": 8, "minute": 53}
